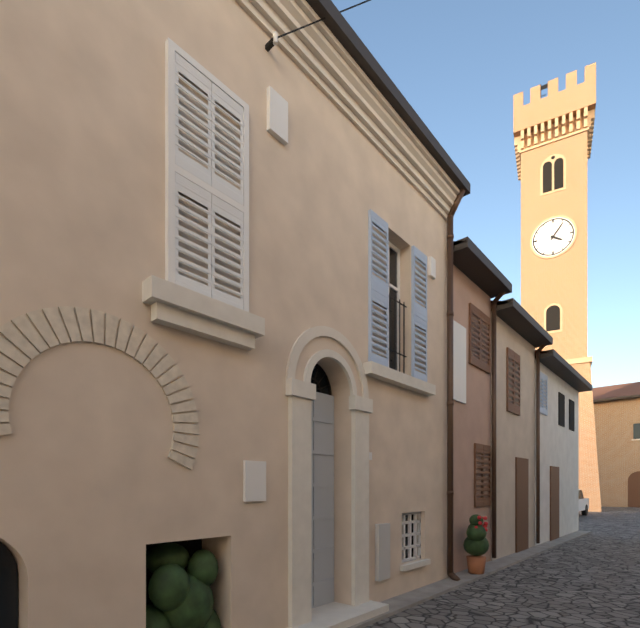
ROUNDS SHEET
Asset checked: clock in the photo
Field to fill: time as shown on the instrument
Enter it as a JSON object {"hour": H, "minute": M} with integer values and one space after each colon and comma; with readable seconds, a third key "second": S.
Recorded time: {"hour": 4, "minute": 6}
